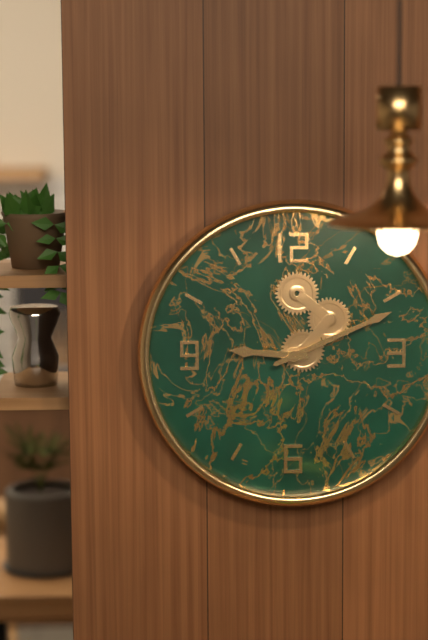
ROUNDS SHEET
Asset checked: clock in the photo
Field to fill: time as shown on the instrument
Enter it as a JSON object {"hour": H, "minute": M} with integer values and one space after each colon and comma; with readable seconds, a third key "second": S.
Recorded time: {"hour": 9, "minute": 11}
